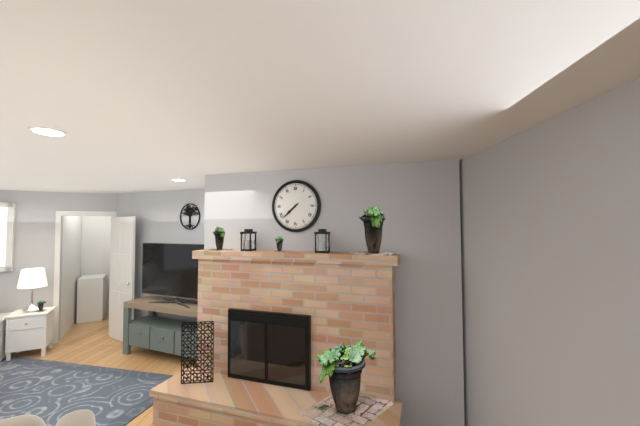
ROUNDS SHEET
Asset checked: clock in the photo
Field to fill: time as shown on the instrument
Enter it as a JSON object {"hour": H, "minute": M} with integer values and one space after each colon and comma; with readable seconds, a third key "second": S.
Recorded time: {"hour": 7, "minute": 38}
